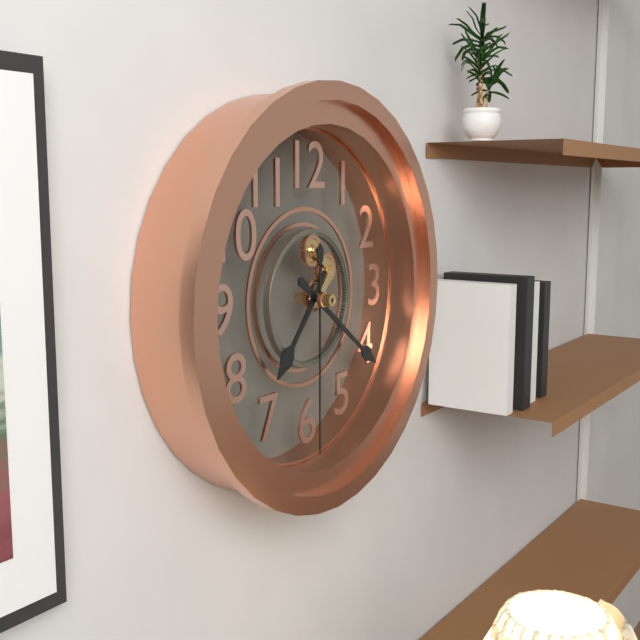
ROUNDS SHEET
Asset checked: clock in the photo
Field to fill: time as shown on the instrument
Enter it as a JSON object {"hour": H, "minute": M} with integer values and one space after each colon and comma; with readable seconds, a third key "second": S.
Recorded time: {"hour": 7, "minute": 21, "second": 30}
